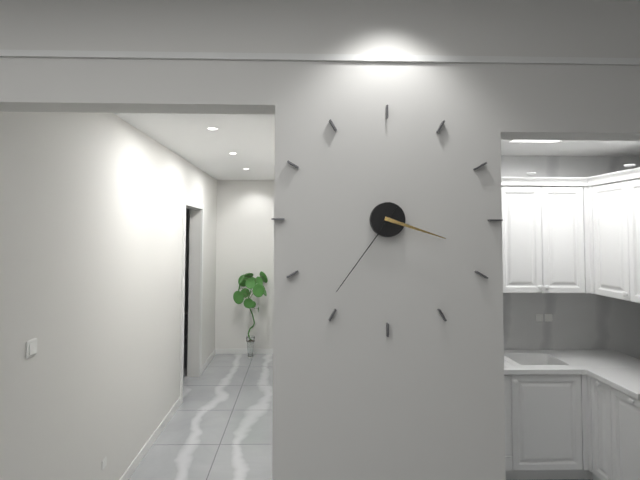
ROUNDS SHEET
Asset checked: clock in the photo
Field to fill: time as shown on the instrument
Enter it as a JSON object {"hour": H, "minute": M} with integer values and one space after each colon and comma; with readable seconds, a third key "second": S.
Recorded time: {"hour": 3, "minute": 36}
